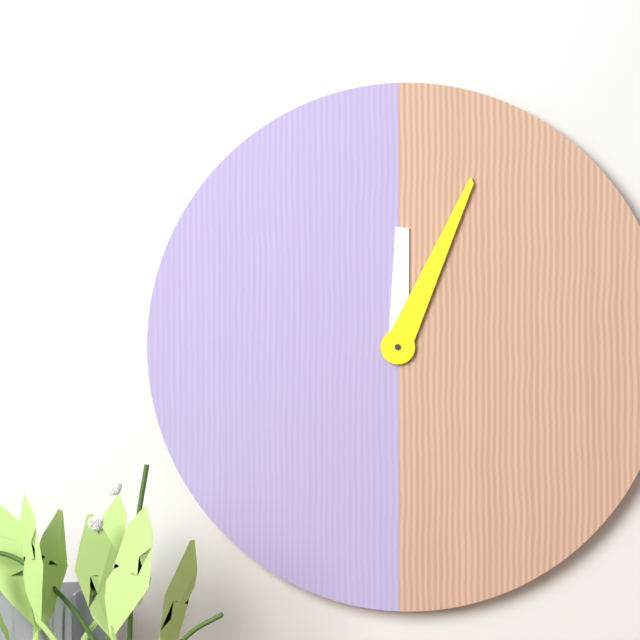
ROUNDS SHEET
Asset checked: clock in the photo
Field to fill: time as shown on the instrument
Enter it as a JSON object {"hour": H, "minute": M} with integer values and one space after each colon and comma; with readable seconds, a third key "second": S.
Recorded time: {"hour": 12, "minute": 4}
